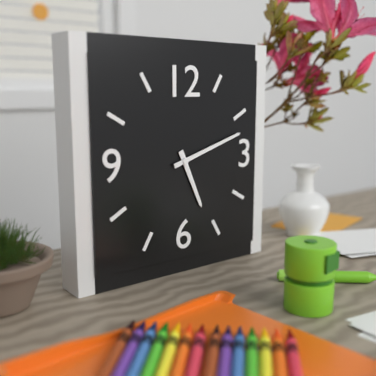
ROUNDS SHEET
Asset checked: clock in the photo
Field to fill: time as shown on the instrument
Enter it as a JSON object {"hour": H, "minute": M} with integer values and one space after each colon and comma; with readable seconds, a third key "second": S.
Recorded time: {"hour": 5, "minute": 12}
